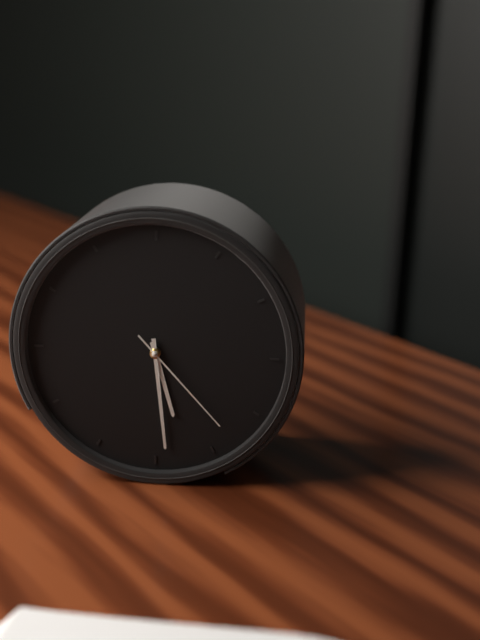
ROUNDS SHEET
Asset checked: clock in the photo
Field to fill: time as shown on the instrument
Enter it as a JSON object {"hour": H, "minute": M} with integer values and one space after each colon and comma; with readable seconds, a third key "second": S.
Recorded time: {"hour": 5, "minute": 29, "second": 23}
